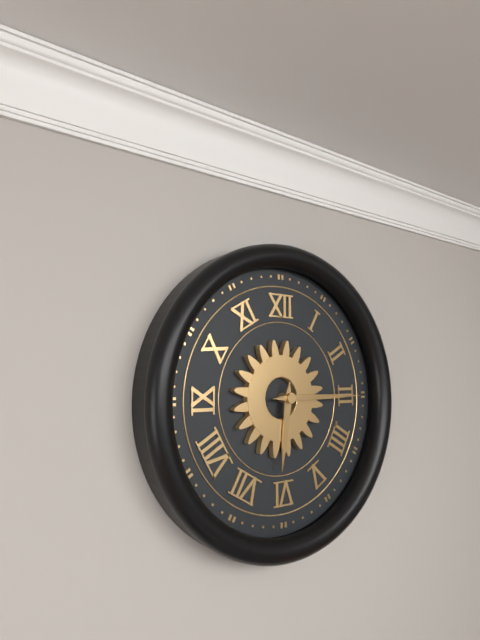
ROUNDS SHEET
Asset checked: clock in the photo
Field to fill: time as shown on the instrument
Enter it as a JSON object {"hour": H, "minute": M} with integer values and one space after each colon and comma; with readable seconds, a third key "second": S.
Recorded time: {"hour": 6, "minute": 15}
